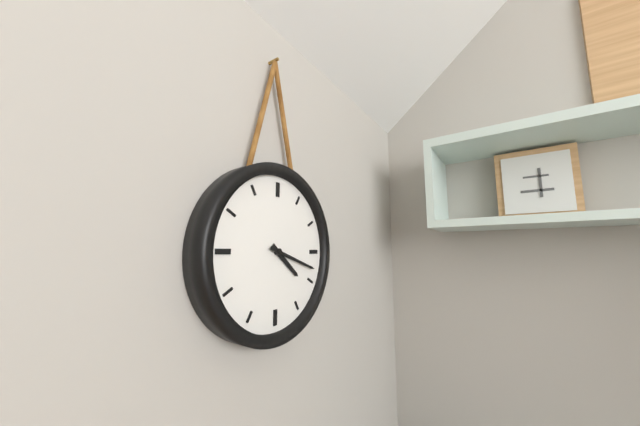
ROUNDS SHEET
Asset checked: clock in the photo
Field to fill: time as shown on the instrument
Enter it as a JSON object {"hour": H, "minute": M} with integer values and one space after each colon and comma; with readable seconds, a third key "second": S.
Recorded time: {"hour": 4, "minute": 18}
